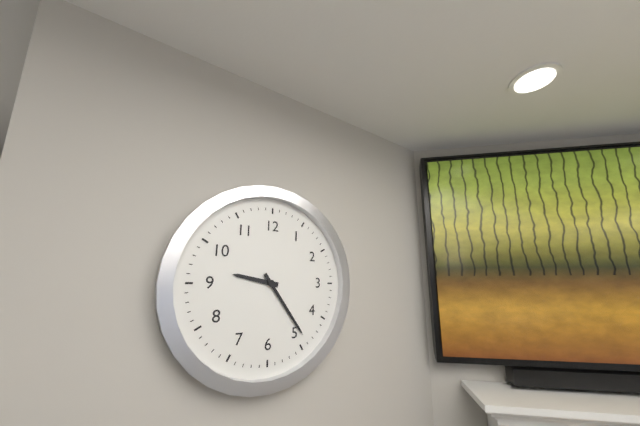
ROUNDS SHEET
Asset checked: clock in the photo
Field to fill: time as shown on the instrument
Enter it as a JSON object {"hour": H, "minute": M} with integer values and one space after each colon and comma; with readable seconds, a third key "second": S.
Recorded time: {"hour": 9, "minute": 24}
